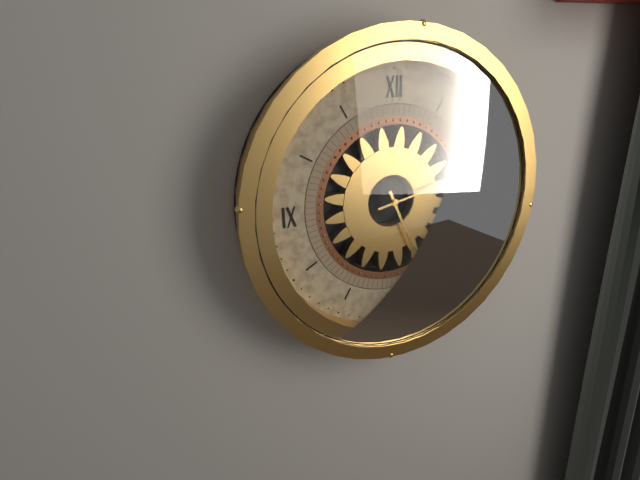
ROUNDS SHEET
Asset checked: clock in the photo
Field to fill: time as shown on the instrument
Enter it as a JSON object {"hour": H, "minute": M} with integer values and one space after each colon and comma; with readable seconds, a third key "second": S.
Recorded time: {"hour": 5, "minute": 13}
